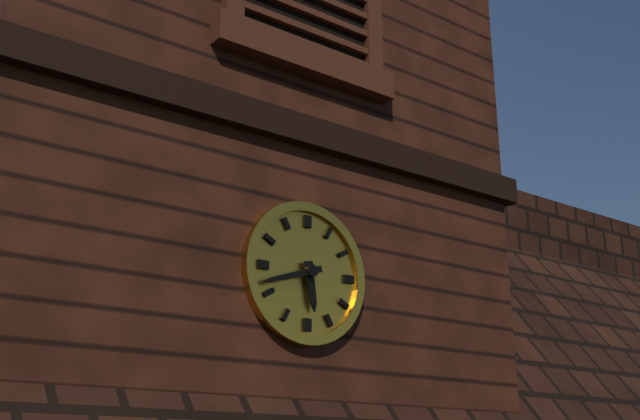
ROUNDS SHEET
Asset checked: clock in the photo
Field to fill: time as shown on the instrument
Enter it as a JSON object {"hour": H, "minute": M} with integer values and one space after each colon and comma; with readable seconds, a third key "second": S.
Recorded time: {"hour": 5, "minute": 42}
